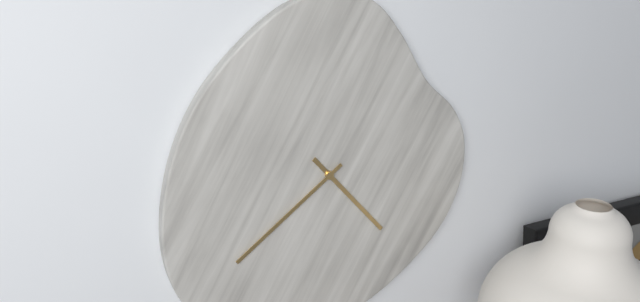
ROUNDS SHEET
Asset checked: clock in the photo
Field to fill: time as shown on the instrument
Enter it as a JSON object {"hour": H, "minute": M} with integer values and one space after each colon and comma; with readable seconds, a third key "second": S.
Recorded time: {"hour": 4, "minute": 39}
